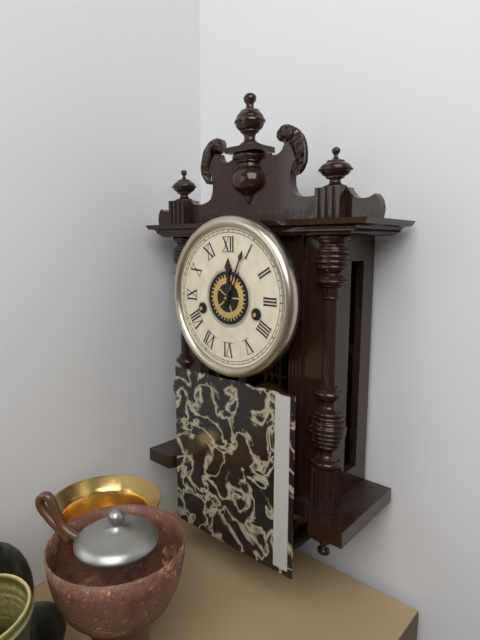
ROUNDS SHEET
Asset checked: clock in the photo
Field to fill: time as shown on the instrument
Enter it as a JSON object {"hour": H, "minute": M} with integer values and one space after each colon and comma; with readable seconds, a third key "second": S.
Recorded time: {"hour": 12, "minute": 4}
